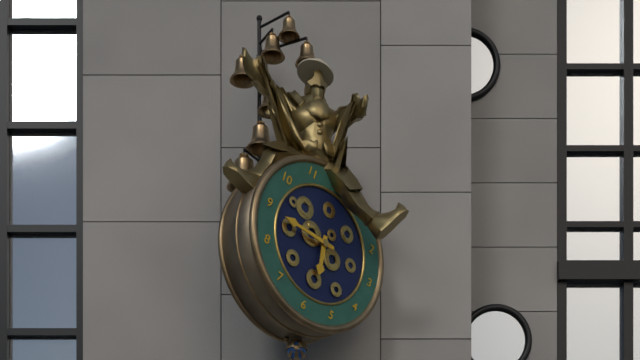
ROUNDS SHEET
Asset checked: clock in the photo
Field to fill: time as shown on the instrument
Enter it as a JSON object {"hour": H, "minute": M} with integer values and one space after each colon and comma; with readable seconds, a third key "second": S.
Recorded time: {"hour": 5, "minute": 44}
